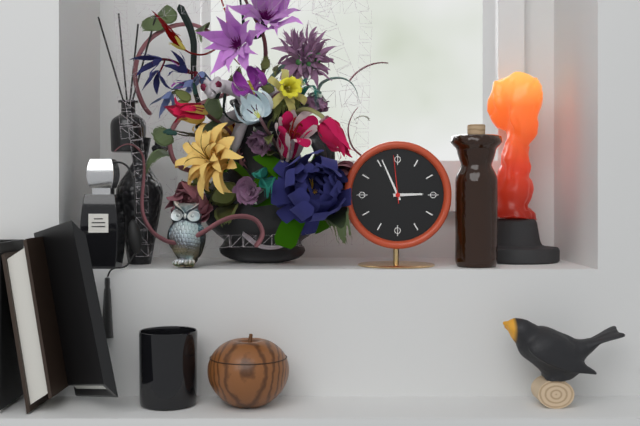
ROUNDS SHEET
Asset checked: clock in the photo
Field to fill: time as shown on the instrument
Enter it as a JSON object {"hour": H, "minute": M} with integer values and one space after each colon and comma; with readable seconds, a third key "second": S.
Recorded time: {"hour": 2, "minute": 56, "second": 59}
